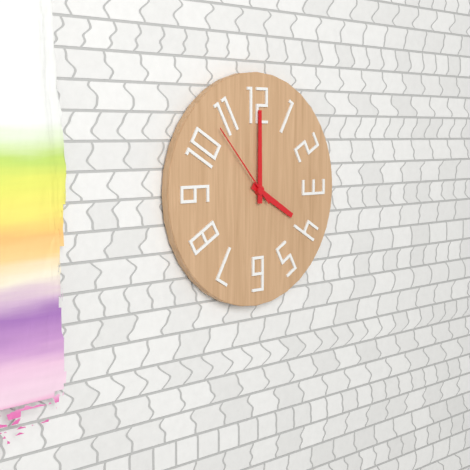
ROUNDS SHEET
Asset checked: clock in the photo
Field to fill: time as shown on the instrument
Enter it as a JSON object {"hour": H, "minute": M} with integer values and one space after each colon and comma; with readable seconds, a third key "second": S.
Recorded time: {"hour": 4, "minute": 0, "second": 53}
